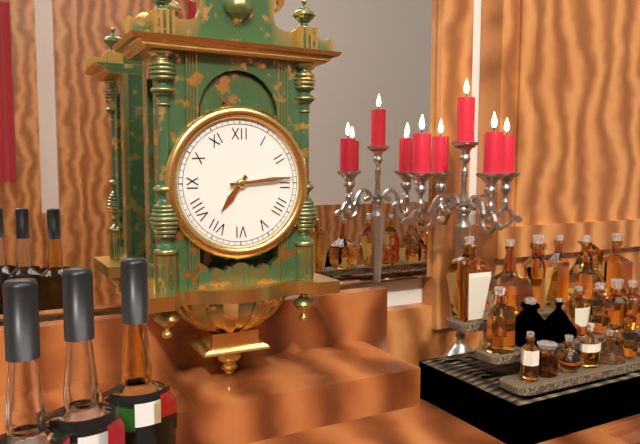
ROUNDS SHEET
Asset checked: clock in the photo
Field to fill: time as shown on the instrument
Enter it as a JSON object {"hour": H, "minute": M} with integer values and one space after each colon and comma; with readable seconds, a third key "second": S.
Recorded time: {"hour": 7, "minute": 14}
